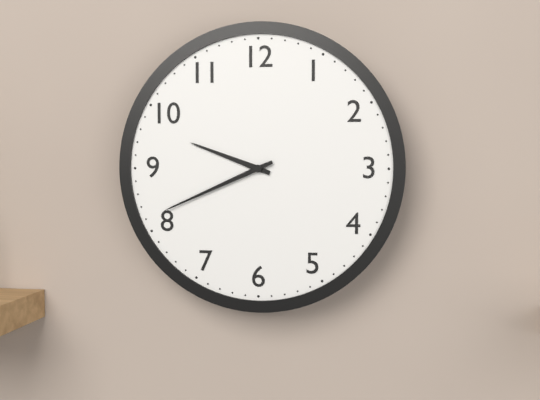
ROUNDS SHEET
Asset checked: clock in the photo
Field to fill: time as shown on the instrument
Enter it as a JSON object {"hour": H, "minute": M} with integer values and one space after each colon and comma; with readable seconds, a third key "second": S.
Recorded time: {"hour": 9, "minute": 41}
